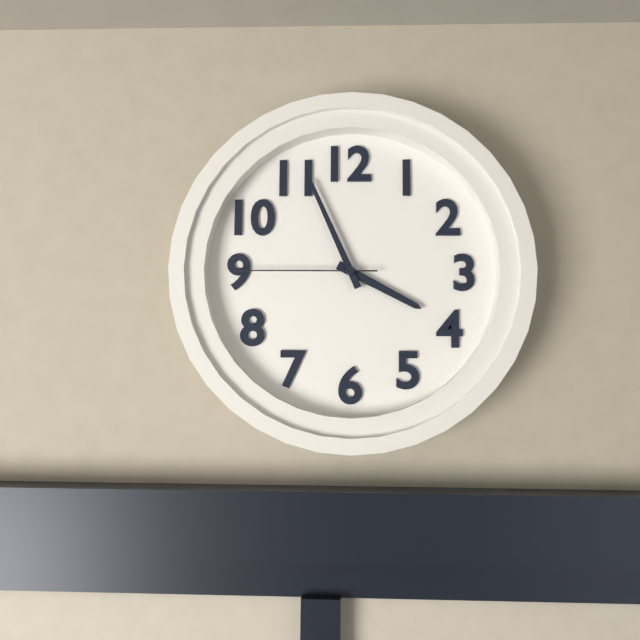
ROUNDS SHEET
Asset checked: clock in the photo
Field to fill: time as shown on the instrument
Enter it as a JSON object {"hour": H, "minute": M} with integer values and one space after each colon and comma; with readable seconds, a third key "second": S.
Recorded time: {"hour": 3, "minute": 56, "second": 45}
